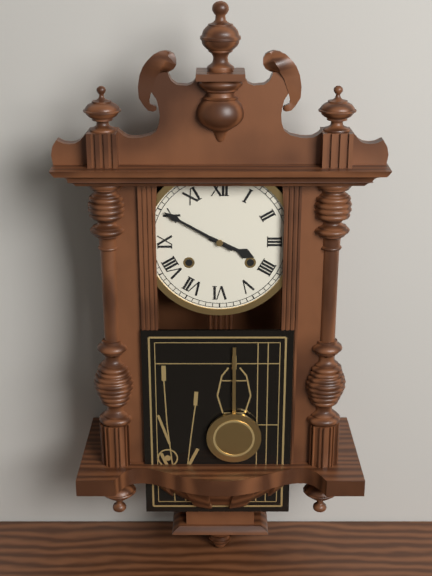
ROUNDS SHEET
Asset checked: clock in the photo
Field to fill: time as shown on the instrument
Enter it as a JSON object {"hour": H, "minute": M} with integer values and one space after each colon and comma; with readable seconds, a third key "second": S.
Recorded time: {"hour": 3, "minute": 50}
